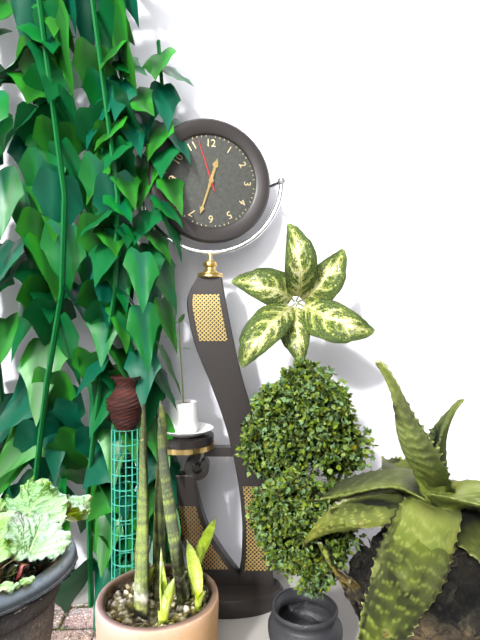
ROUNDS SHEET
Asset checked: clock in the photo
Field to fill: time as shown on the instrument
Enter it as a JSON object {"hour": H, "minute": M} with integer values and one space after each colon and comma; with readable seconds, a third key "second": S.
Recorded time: {"hour": 12, "minute": 33, "second": 57}
